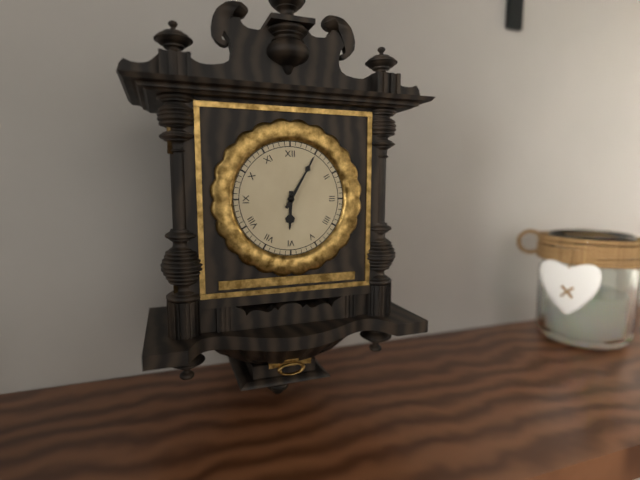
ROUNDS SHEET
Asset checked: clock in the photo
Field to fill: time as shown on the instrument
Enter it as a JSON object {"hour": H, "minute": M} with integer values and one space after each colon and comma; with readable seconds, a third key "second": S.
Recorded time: {"hour": 6, "minute": 5}
